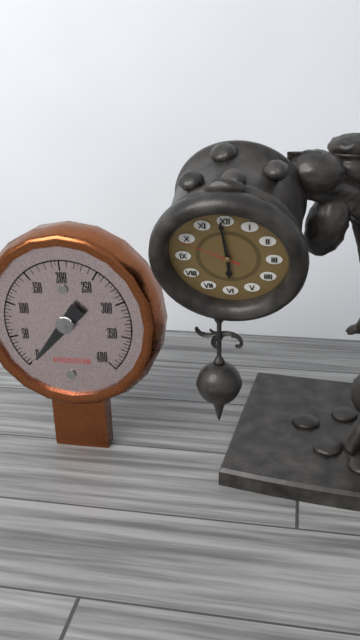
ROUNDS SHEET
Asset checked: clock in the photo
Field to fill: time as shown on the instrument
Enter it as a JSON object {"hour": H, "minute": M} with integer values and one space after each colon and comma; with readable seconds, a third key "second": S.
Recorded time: {"hour": 5, "minute": 59, "second": 49}
